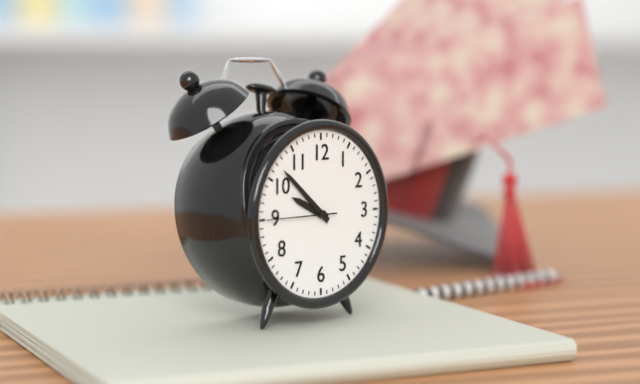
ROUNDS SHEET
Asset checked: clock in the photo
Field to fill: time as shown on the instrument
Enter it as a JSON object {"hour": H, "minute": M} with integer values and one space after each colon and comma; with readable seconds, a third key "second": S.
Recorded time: {"hour": 9, "minute": 52, "second": 45}
